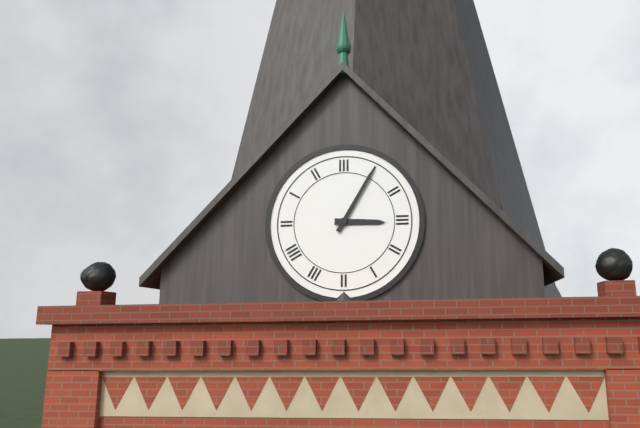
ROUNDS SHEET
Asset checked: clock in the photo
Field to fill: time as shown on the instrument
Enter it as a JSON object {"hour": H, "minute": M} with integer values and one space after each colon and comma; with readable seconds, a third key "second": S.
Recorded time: {"hour": 3, "minute": 5}
